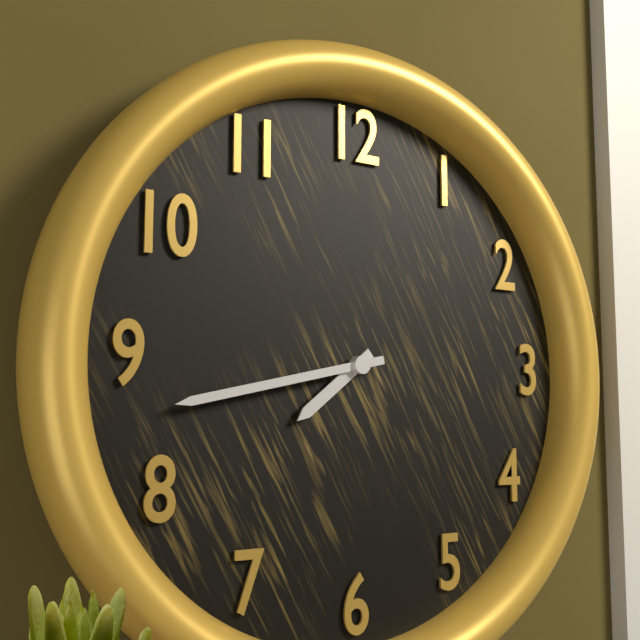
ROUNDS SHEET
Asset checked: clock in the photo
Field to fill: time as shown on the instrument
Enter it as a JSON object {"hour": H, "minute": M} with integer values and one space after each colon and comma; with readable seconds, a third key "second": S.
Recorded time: {"hour": 7, "minute": 43}
